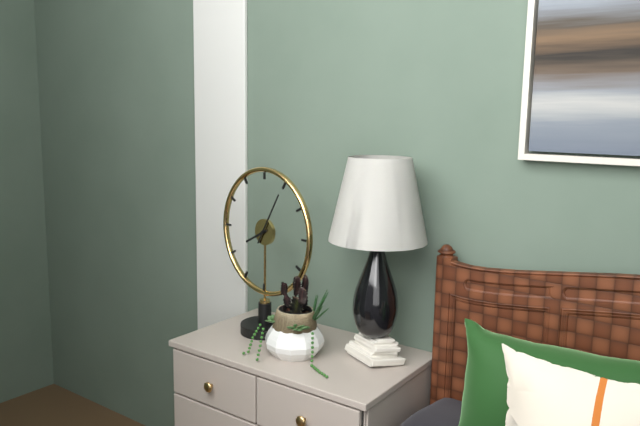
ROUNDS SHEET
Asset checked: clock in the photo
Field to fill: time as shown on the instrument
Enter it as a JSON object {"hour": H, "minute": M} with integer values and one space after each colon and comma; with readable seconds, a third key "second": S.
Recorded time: {"hour": 8, "minute": 5}
